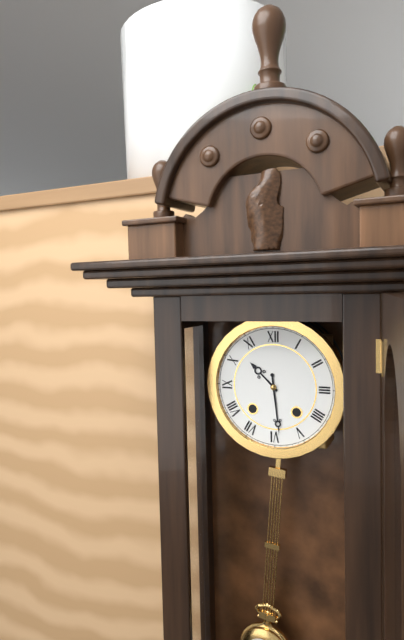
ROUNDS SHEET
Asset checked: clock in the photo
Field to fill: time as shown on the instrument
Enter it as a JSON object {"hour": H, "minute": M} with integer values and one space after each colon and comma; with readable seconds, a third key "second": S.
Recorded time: {"hour": 10, "minute": 29}
